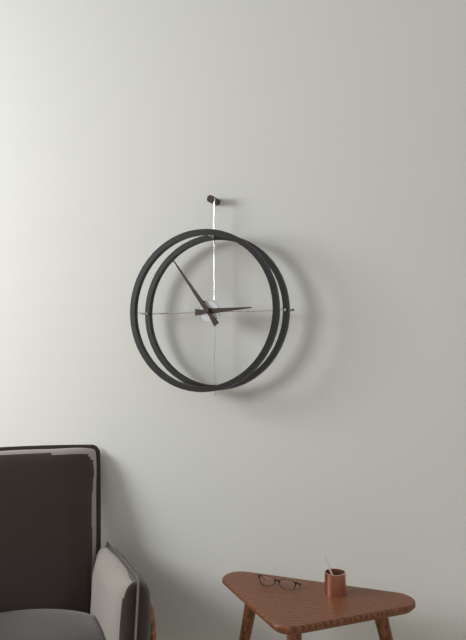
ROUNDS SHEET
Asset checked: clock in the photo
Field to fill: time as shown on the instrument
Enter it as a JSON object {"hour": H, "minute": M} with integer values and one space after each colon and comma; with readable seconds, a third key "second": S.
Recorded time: {"hour": 2, "minute": 54}
